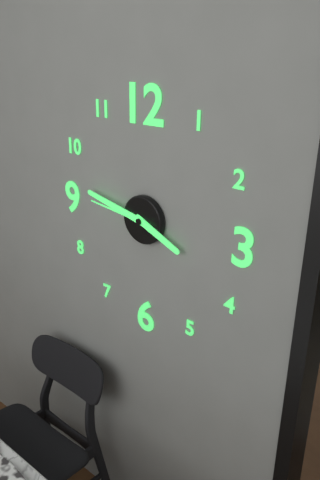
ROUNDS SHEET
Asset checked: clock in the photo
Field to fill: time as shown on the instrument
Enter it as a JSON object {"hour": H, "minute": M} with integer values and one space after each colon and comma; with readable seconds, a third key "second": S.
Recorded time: {"hour": 3, "minute": 47, "second": 46}
